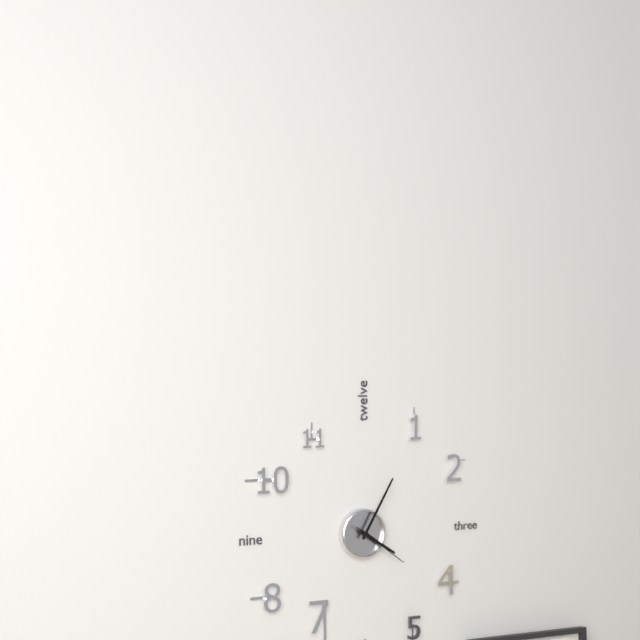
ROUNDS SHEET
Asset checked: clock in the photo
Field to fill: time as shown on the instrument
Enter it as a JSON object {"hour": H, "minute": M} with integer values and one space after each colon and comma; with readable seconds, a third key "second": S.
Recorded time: {"hour": 4, "minute": 5, "second": 21}
